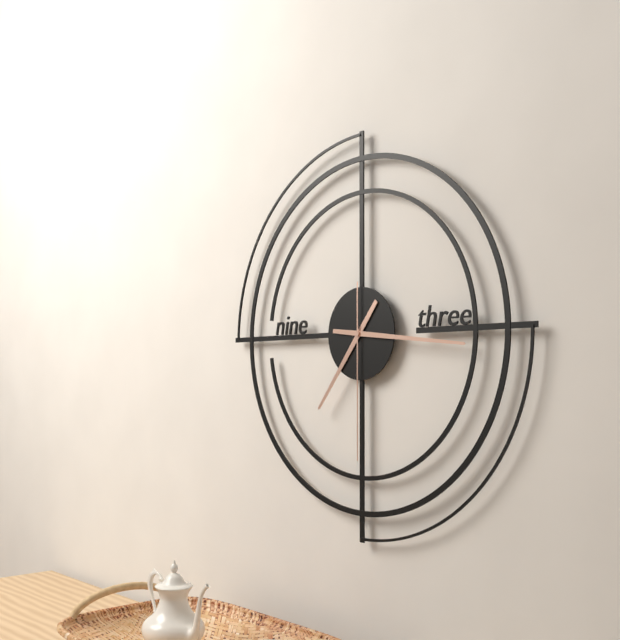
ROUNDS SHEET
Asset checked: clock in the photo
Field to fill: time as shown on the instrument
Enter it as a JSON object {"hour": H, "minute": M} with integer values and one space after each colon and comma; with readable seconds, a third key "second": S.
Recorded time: {"hour": 7, "minute": 16, "second": 30}
